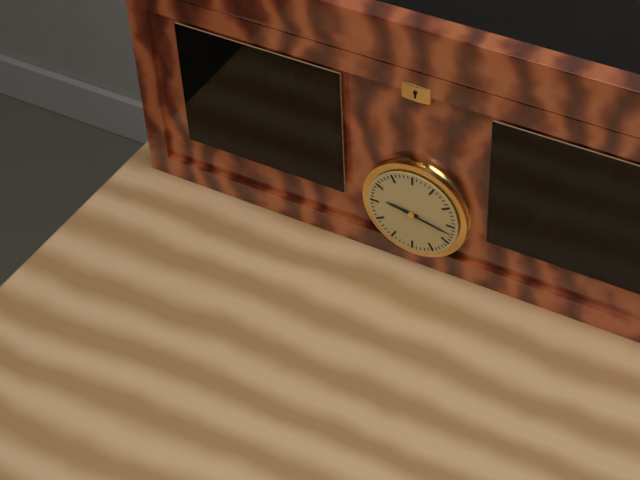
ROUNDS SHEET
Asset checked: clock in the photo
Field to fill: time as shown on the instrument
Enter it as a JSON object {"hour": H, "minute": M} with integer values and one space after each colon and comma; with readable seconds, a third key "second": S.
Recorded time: {"hour": 9, "minute": 17}
